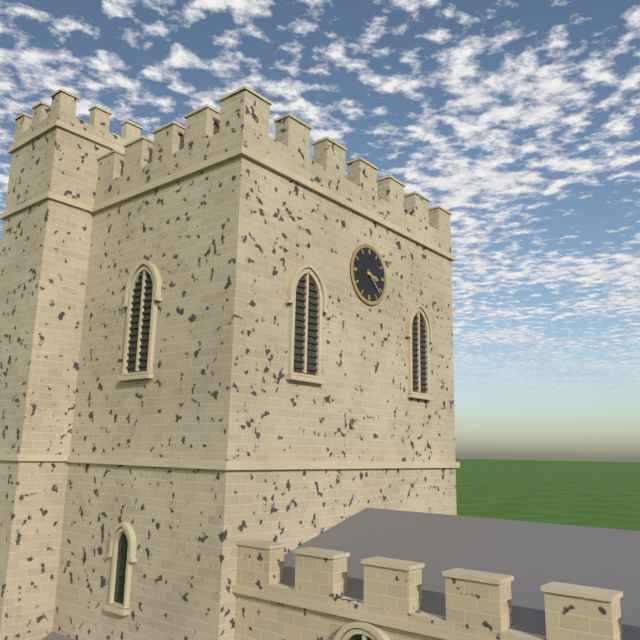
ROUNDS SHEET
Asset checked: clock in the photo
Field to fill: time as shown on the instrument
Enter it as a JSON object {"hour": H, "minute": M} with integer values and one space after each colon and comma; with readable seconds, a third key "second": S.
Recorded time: {"hour": 3, "minute": 22}
